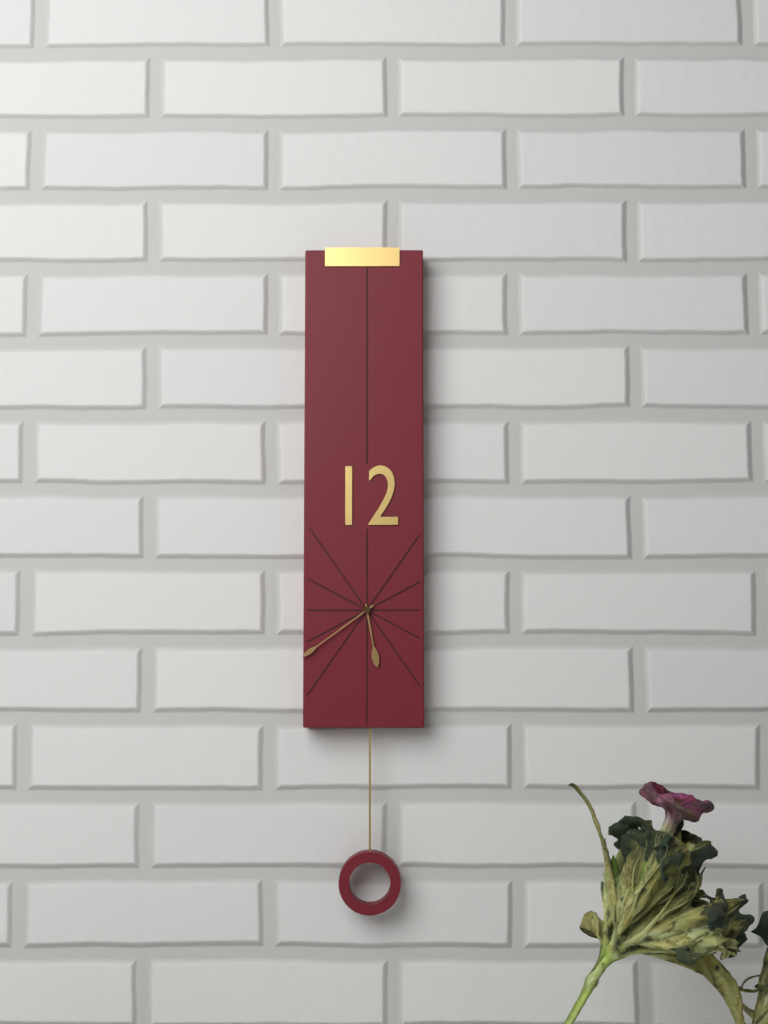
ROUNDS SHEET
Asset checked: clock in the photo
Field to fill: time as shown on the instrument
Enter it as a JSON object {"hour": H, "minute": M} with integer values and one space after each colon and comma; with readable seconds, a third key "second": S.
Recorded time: {"hour": 5, "minute": 39}
